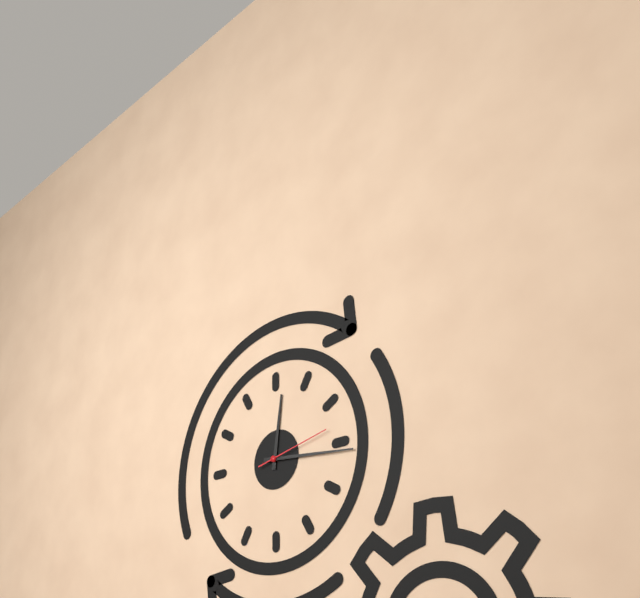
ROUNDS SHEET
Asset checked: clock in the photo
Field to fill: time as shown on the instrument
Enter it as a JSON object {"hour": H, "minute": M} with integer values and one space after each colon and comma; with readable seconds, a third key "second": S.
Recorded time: {"hour": 12, "minute": 16, "second": 13}
